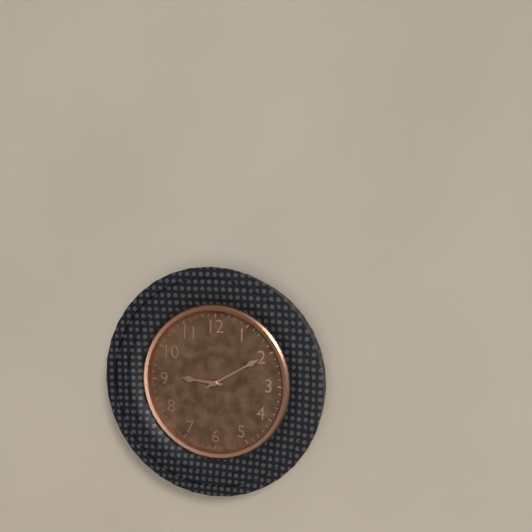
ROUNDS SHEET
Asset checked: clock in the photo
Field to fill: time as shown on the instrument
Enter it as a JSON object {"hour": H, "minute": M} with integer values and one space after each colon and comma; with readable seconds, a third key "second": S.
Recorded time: {"hour": 9, "minute": 10}
